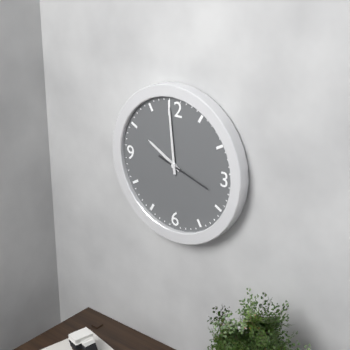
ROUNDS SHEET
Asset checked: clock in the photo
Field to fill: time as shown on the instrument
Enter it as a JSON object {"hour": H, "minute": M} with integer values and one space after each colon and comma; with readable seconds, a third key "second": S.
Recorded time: {"hour": 9, "minute": 59, "second": 18}
